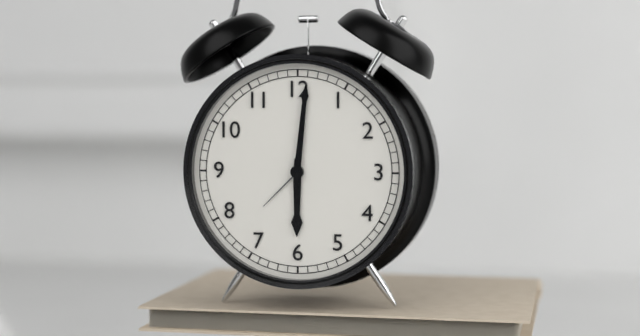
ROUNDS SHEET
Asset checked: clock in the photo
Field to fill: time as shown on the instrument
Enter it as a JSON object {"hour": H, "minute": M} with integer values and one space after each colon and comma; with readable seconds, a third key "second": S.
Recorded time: {"hour": 6, "minute": 1}
